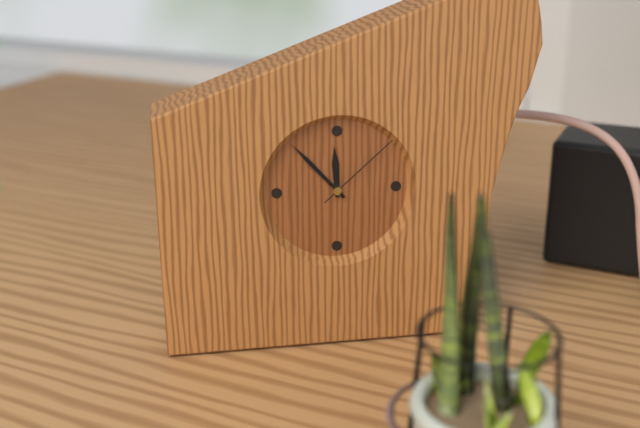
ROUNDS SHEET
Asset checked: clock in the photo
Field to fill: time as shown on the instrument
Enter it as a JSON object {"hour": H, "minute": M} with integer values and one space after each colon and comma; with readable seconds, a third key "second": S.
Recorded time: {"hour": 11, "minute": 53, "second": 8}
